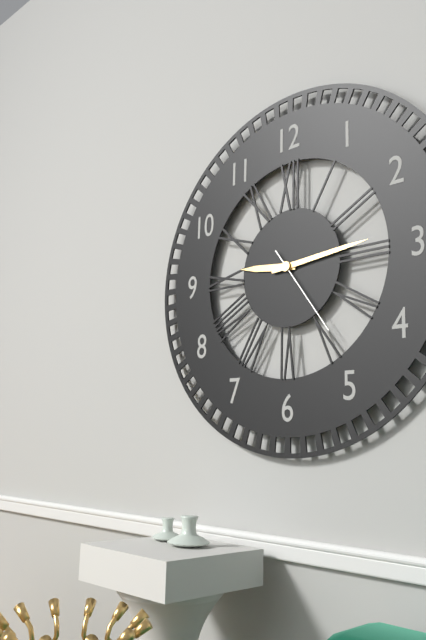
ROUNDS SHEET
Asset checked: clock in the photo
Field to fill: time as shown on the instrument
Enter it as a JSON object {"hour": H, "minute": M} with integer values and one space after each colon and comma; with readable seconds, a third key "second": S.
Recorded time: {"hour": 9, "minute": 14, "second": 24}
